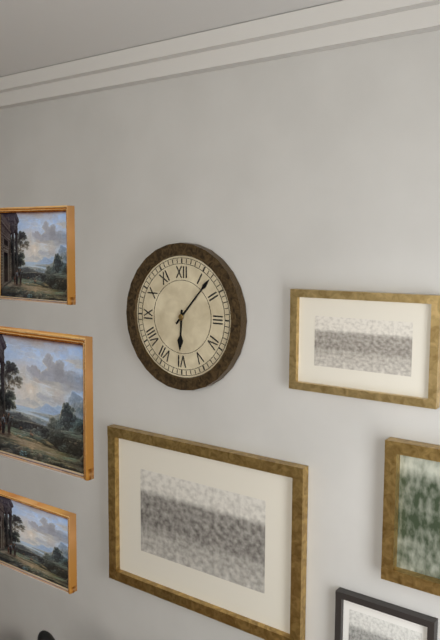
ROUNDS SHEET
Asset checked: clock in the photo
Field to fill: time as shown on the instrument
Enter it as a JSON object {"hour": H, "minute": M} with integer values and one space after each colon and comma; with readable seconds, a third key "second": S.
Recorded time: {"hour": 6, "minute": 7}
